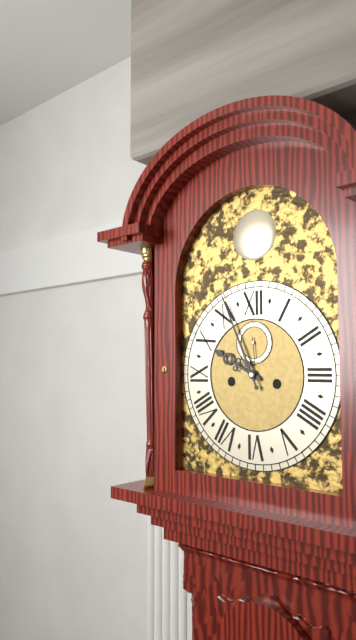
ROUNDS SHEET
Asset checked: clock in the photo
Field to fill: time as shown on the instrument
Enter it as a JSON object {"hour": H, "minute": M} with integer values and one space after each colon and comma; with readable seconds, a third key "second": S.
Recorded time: {"hour": 9, "minute": 56}
